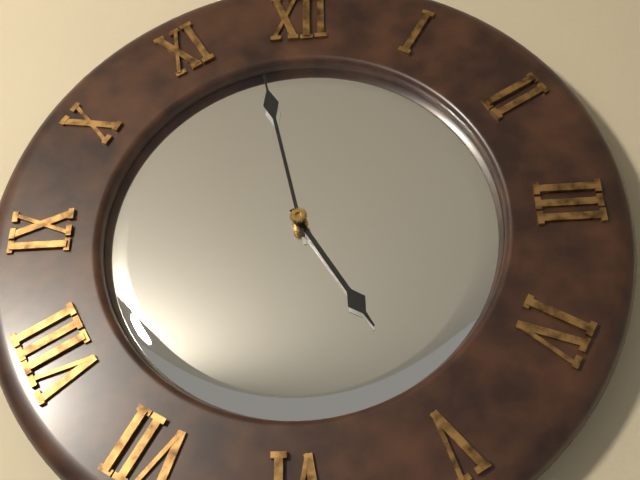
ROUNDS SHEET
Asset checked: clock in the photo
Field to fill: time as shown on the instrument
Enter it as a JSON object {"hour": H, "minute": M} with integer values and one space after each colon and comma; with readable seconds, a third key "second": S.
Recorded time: {"hour": 4, "minute": 58}
